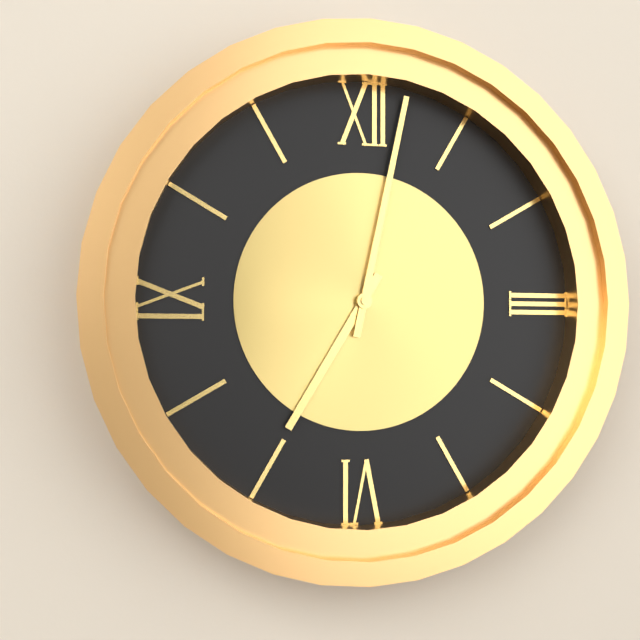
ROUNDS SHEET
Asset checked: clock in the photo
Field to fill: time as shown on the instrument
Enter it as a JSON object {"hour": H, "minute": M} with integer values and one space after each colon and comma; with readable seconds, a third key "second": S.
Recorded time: {"hour": 7, "minute": 2}
